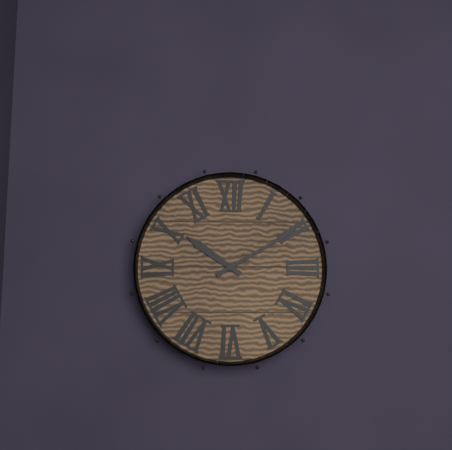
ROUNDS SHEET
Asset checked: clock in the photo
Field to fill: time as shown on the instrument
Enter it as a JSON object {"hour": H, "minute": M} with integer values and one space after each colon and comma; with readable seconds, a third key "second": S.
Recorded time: {"hour": 10, "minute": 10}
